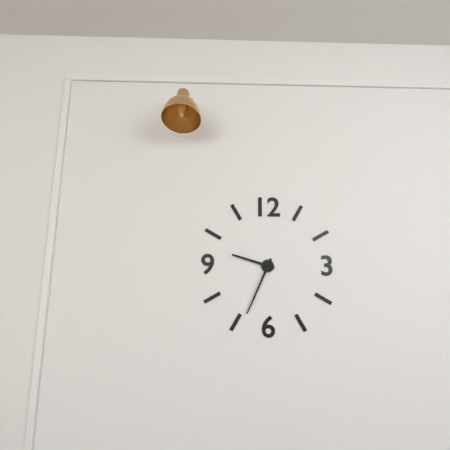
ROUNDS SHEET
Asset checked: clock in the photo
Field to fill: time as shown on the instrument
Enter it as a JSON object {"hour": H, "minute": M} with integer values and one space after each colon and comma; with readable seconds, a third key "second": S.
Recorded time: {"hour": 9, "minute": 34}
